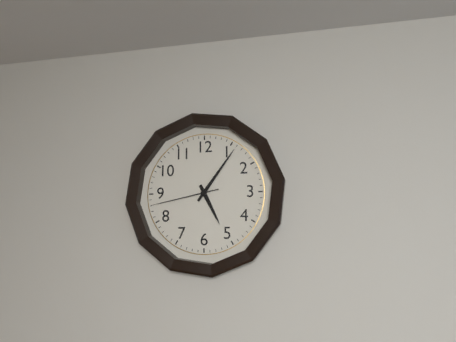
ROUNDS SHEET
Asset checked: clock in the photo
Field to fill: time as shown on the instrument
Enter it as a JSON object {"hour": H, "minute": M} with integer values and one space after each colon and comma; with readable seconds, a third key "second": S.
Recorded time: {"hour": 5, "minute": 6, "second": 43}
